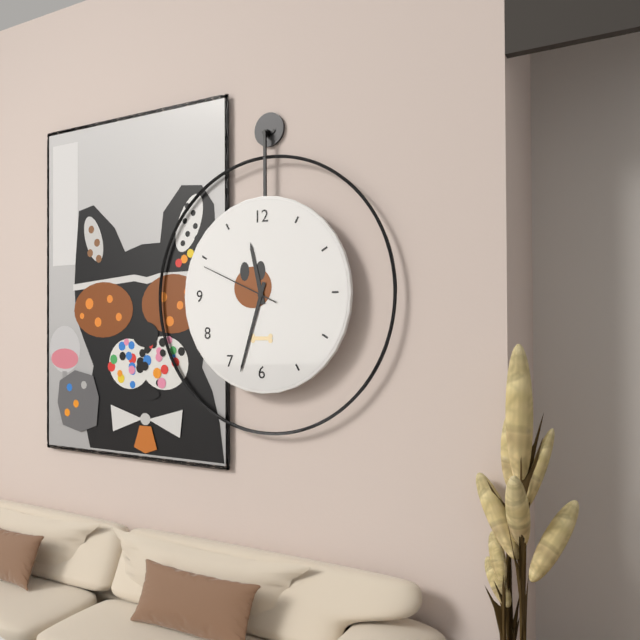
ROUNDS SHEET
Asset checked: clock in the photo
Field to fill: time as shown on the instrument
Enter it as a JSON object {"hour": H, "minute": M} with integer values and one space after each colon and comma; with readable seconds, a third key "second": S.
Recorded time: {"hour": 11, "minute": 33, "second": 49}
